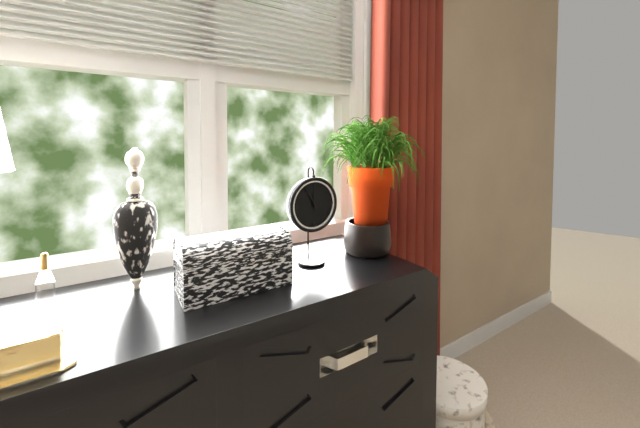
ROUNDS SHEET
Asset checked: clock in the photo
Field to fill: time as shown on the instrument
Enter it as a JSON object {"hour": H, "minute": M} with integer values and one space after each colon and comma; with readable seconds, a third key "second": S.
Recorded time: {"hour": 11, "minute": 55}
